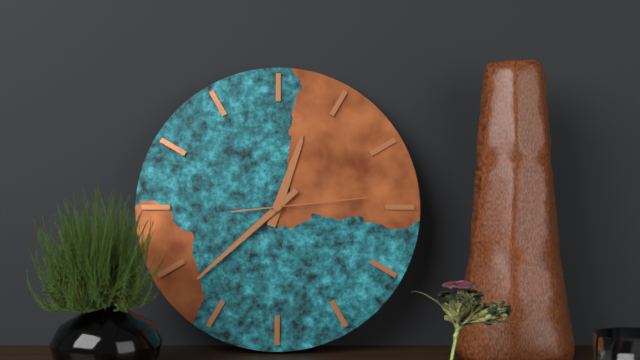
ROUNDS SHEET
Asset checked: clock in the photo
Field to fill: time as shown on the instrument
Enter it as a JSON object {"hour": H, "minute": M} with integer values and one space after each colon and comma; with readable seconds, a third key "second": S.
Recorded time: {"hour": 12, "minute": 38, "second": 14}
